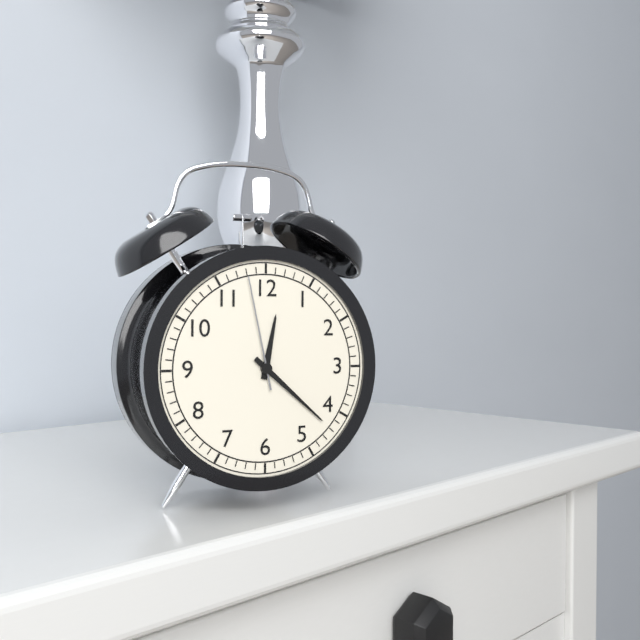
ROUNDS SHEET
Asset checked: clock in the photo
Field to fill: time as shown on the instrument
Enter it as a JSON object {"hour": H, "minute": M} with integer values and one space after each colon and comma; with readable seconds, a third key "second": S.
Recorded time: {"hour": 12, "minute": 22, "second": 58}
